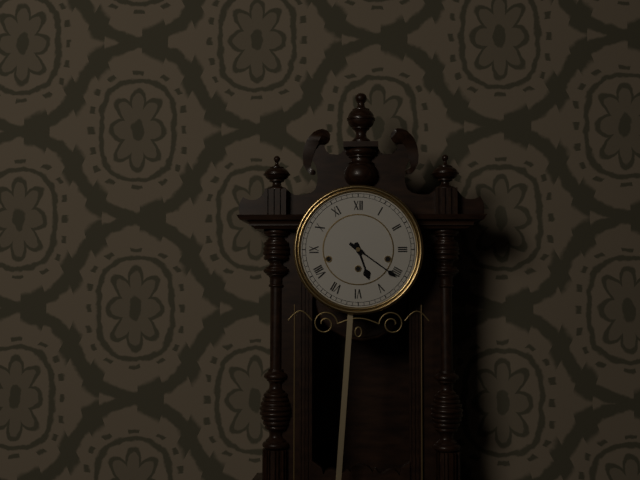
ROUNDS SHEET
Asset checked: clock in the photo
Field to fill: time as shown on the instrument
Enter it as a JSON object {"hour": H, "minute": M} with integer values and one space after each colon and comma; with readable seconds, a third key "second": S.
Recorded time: {"hour": 5, "minute": 21}
